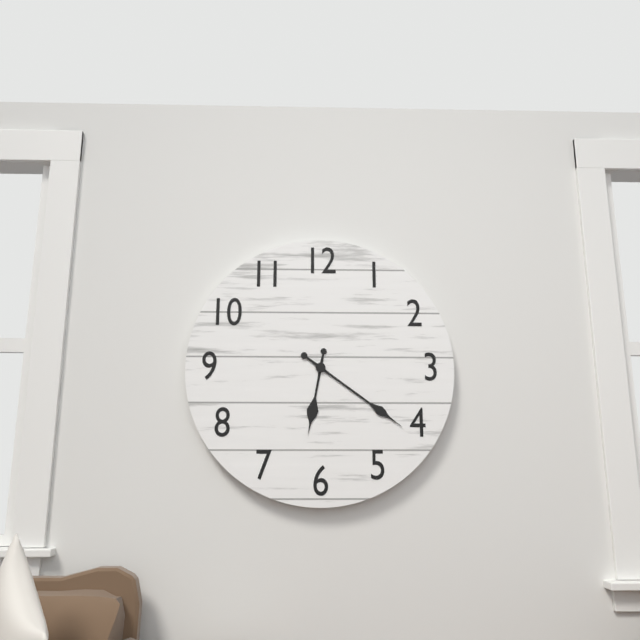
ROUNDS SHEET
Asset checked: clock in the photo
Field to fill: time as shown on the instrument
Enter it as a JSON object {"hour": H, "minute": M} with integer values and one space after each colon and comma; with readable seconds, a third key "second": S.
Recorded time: {"hour": 6, "minute": 21}
